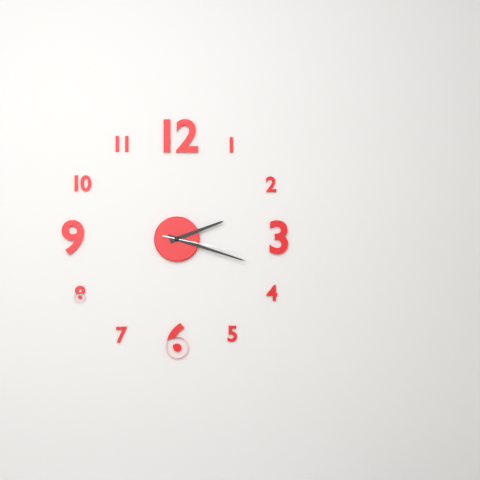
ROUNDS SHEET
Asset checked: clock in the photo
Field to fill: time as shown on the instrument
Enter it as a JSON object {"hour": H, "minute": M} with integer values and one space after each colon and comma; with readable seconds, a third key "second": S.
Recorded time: {"hour": 2, "minute": 18, "second": 17}
